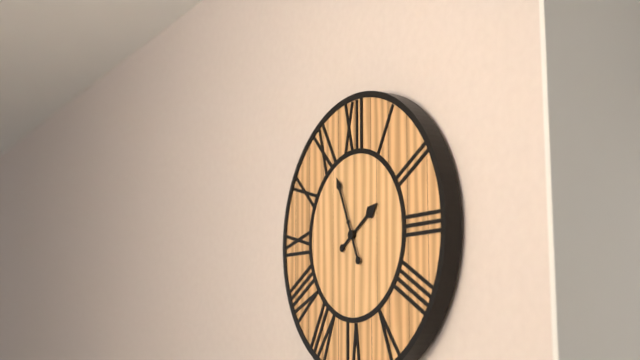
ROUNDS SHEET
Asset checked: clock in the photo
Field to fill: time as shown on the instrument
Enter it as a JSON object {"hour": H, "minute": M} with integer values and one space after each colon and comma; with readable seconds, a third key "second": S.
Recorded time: {"hour": 1, "minute": 56}
